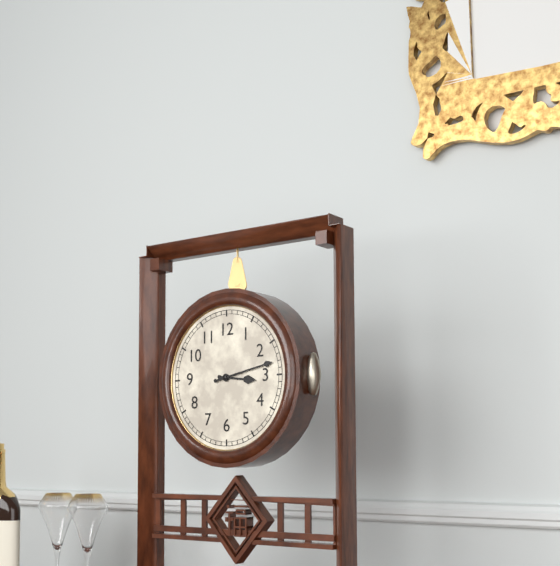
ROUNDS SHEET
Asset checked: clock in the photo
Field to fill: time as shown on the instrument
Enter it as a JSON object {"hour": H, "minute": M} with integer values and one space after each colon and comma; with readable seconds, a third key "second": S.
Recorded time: {"hour": 3, "minute": 13}
